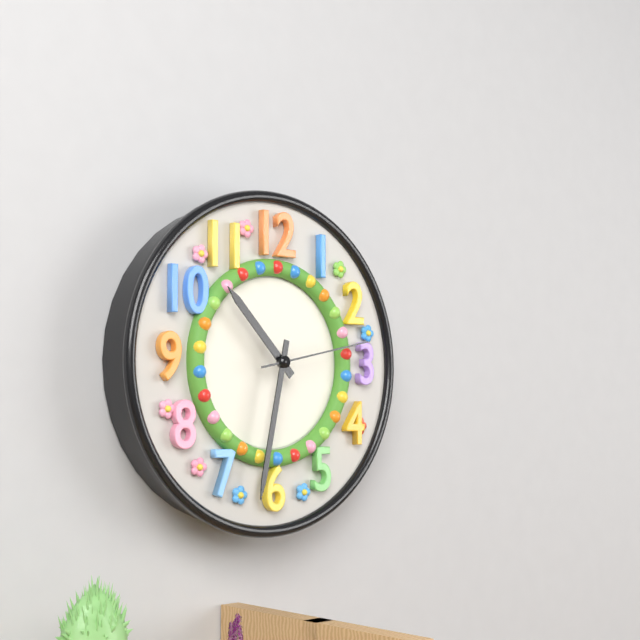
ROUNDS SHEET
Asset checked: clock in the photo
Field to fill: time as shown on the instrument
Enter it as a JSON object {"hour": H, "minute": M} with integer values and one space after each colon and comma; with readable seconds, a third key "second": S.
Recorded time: {"hour": 10, "minute": 32, "second": 13}
